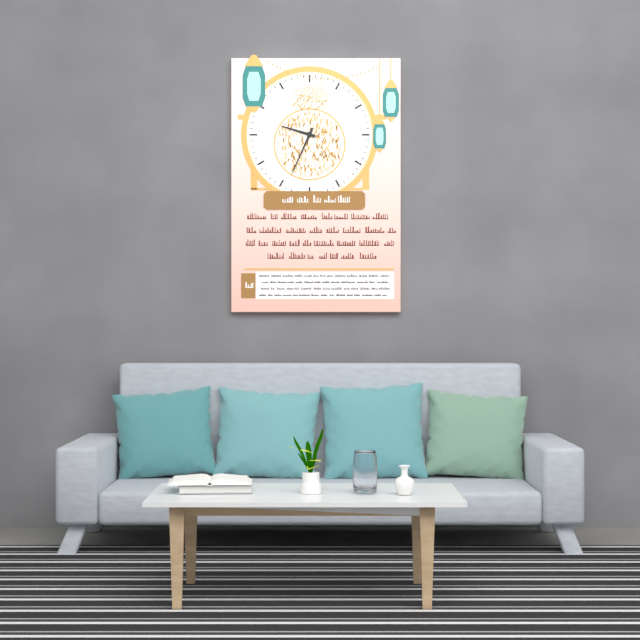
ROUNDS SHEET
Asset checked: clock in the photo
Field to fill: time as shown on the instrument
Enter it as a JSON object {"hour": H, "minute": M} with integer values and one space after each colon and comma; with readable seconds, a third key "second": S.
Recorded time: {"hour": 9, "minute": 34}
